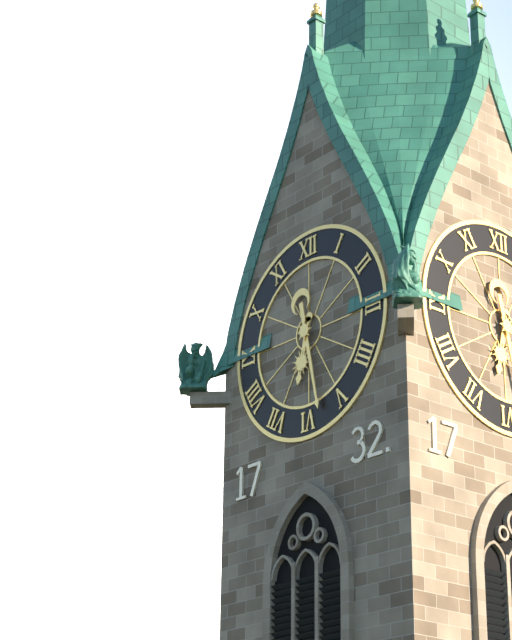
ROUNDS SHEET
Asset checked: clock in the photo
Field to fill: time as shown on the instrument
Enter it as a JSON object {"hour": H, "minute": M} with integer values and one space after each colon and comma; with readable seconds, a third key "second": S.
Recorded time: {"hour": 6, "minute": 28}
